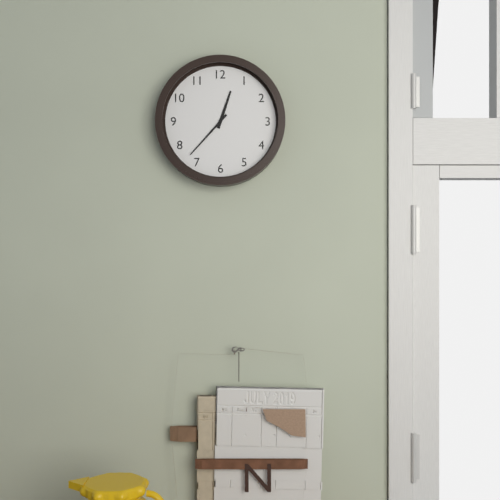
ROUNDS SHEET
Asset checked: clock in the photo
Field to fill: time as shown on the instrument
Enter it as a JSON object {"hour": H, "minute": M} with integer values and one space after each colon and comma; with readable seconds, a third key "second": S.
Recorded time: {"hour": 12, "minute": 37}
